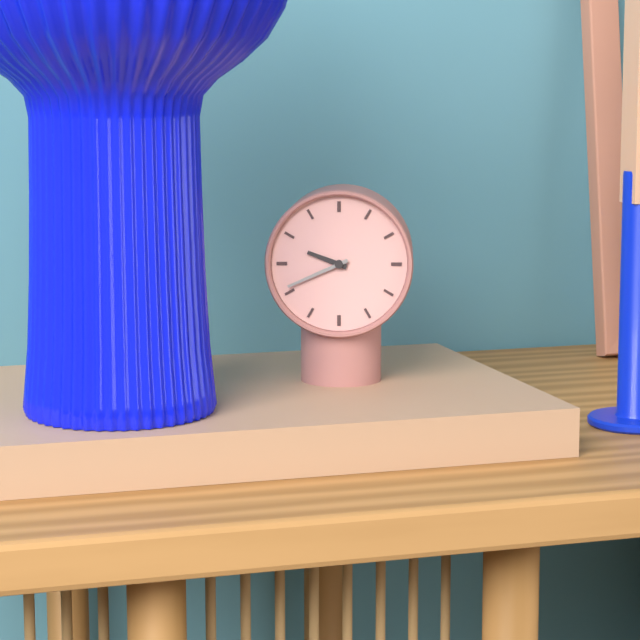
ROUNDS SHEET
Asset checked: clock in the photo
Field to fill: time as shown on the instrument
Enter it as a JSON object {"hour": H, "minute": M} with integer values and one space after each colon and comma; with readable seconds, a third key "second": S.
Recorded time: {"hour": 9, "minute": 41}
